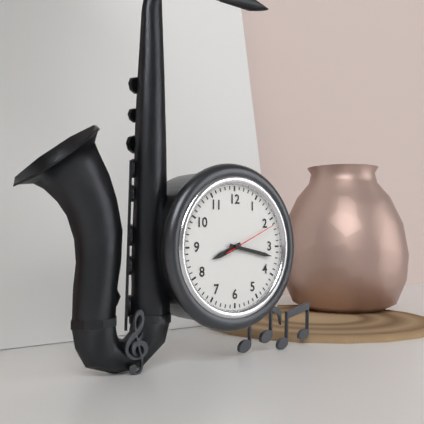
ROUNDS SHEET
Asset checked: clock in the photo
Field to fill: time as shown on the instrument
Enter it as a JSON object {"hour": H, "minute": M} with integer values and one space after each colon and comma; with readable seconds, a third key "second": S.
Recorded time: {"hour": 8, "minute": 17, "second": 11}
